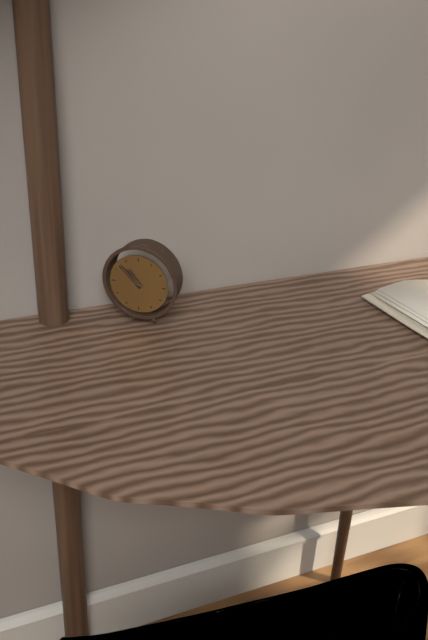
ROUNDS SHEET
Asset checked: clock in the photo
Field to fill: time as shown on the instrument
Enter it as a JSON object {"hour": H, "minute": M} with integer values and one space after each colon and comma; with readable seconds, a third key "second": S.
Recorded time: {"hour": 10, "minute": 52}
